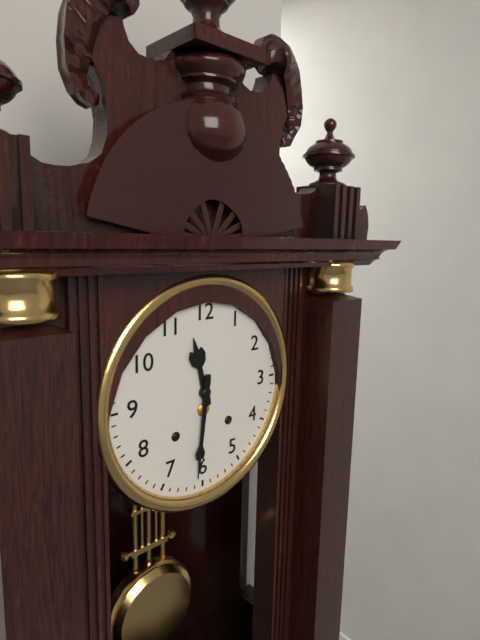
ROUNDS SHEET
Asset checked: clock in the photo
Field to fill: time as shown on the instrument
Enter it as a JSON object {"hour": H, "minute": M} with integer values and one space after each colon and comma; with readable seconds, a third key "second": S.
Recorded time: {"hour": 11, "minute": 31}
